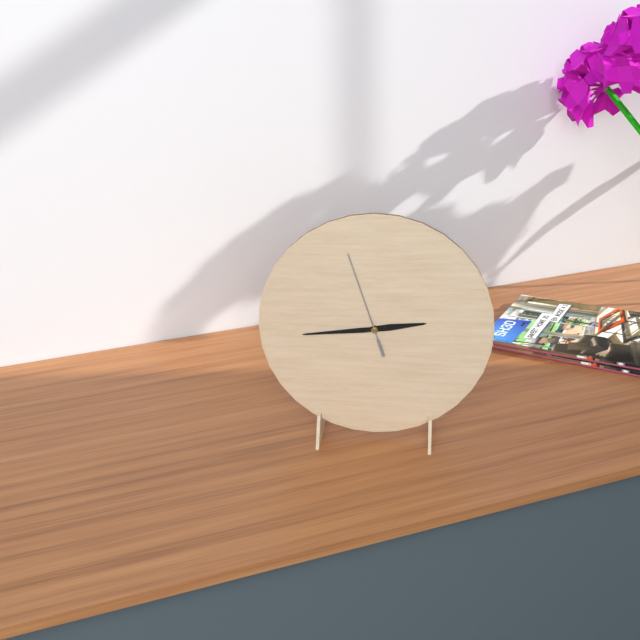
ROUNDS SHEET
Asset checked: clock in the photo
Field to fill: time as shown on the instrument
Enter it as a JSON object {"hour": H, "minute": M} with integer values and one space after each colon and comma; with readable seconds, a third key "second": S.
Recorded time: {"hour": 2, "minute": 44, "second": 57}
